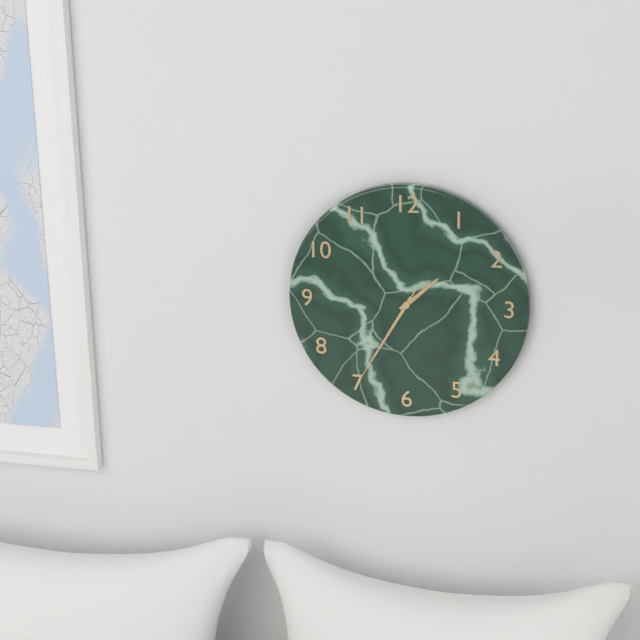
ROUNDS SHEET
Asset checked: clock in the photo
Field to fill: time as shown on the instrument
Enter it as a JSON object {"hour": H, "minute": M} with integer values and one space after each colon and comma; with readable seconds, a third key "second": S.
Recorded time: {"hour": 1, "minute": 35, "second": 35}
